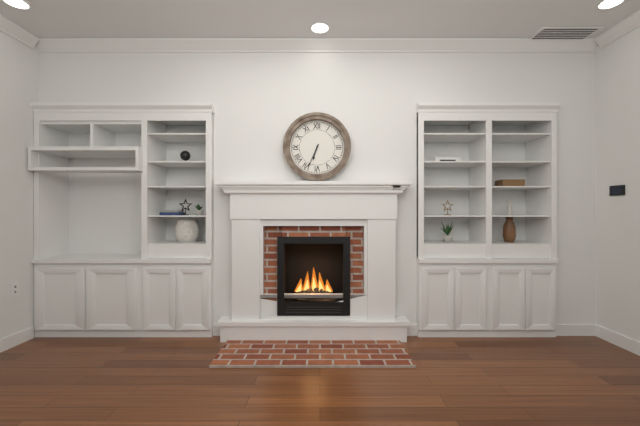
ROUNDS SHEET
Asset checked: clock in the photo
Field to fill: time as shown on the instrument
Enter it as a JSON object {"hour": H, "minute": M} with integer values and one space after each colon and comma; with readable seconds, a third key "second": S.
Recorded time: {"hour": 6, "minute": 34}
